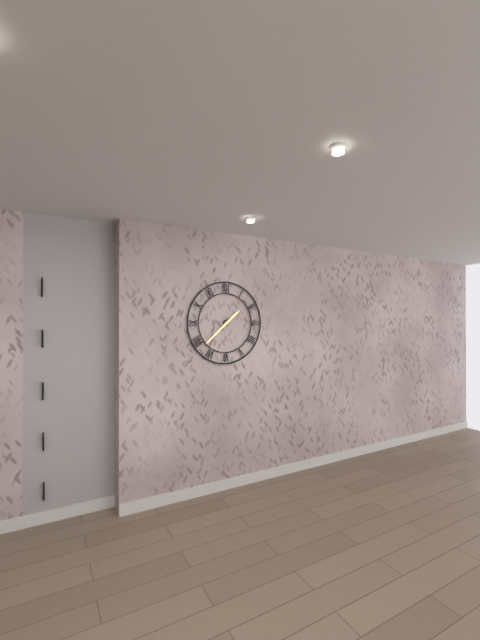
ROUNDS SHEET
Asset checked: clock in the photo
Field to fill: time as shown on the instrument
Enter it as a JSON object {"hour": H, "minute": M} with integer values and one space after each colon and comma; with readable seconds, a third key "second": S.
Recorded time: {"hour": 1, "minute": 38}
